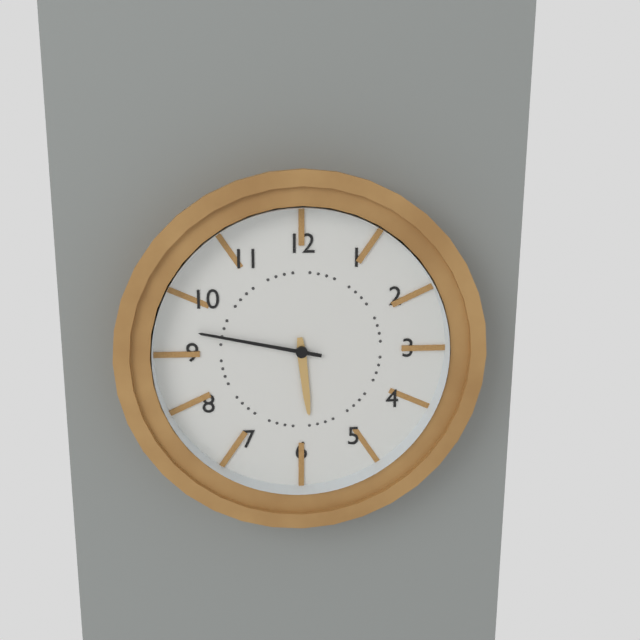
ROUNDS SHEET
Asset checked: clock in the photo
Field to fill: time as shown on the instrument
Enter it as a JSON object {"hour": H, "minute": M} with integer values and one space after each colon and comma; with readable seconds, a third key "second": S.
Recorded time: {"hour": 5, "minute": 47}
